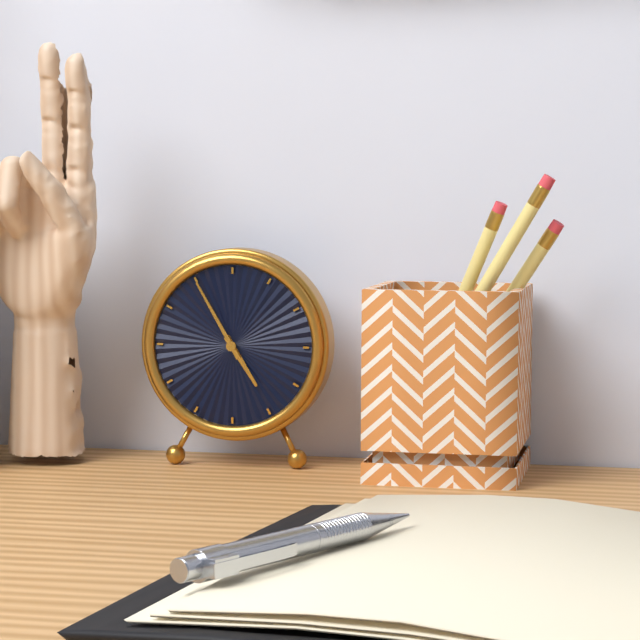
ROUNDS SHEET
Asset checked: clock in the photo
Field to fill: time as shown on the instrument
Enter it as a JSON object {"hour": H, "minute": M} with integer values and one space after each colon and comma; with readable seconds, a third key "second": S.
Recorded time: {"hour": 4, "minute": 55}
